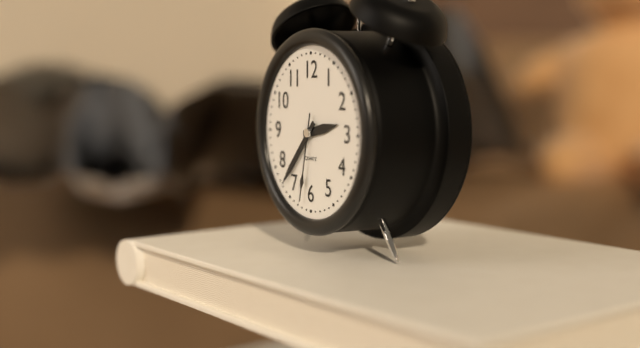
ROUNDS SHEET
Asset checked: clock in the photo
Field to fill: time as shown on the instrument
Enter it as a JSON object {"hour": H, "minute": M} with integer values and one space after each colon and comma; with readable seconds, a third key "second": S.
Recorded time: {"hour": 2, "minute": 37, "second": 32}
